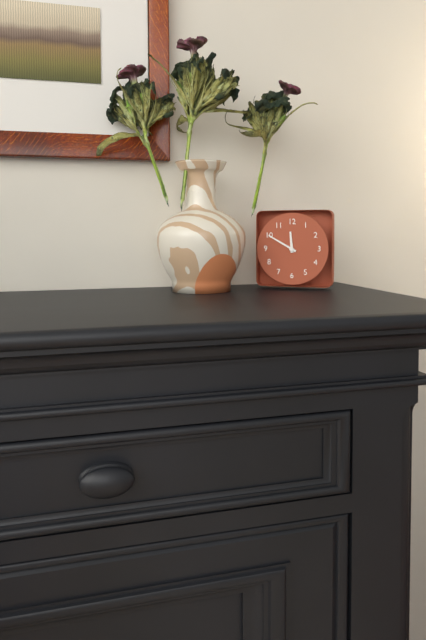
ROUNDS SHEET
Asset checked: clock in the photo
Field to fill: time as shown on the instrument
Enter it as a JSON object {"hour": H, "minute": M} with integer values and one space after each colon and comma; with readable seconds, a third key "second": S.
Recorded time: {"hour": 11, "minute": 50}
